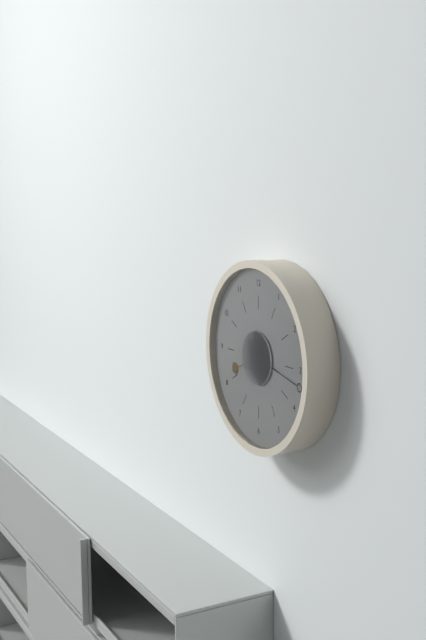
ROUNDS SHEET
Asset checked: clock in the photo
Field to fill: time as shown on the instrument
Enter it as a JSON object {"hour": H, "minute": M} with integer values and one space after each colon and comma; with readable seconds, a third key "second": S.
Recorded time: {"hour": 8, "minute": 17}
